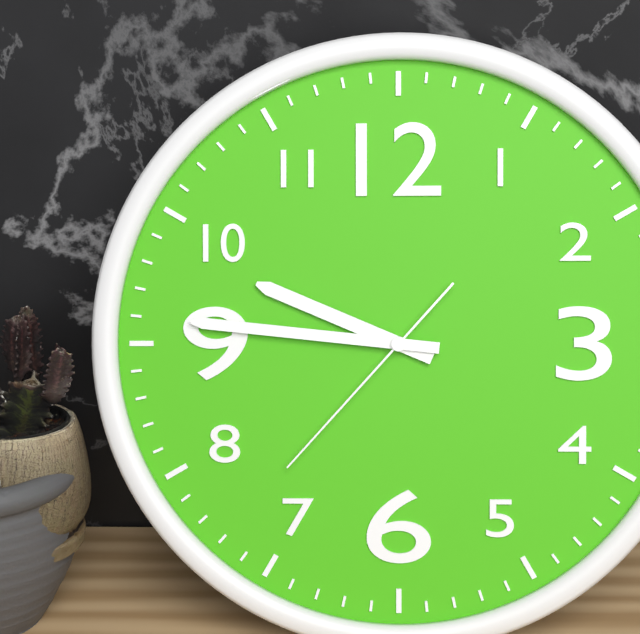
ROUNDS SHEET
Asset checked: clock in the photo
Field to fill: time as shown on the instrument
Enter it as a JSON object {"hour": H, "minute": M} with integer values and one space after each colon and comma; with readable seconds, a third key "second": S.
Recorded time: {"hour": 9, "minute": 46, "second": 37}
